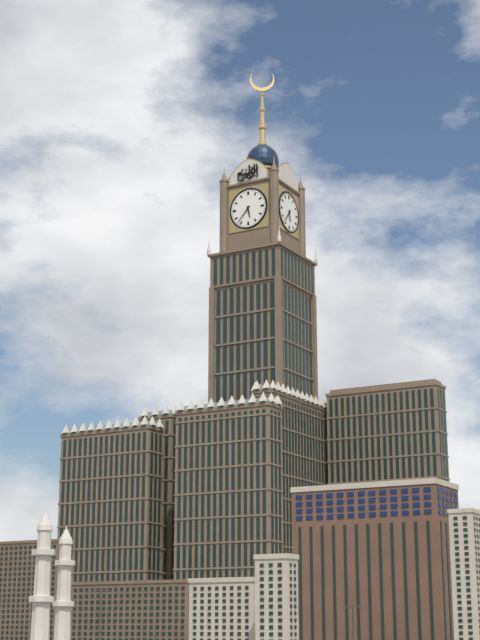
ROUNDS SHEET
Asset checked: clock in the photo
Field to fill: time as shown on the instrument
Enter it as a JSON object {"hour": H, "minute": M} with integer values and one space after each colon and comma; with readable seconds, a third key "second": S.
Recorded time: {"hour": 5, "minute": 37}
